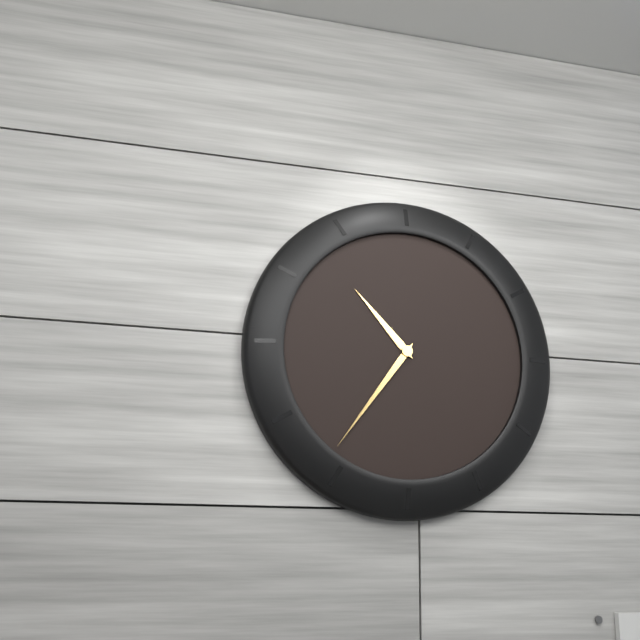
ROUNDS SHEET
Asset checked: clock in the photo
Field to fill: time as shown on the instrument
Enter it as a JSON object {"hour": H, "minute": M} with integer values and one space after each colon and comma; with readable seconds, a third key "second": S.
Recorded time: {"hour": 10, "minute": 36}
